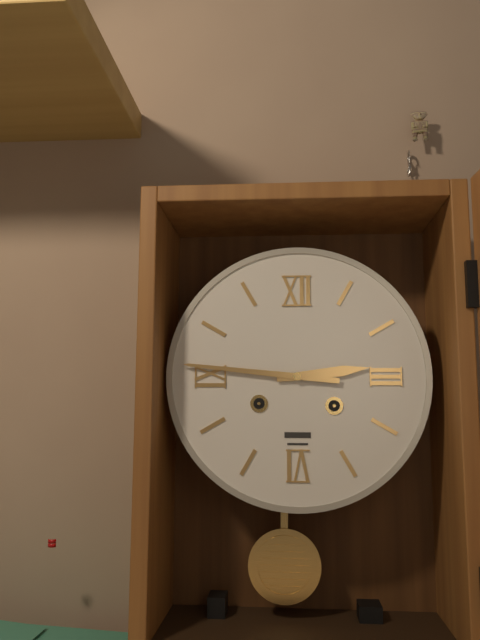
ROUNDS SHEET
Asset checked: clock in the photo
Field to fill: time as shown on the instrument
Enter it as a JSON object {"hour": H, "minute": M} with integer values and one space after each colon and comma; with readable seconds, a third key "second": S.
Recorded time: {"hour": 2, "minute": 46}
